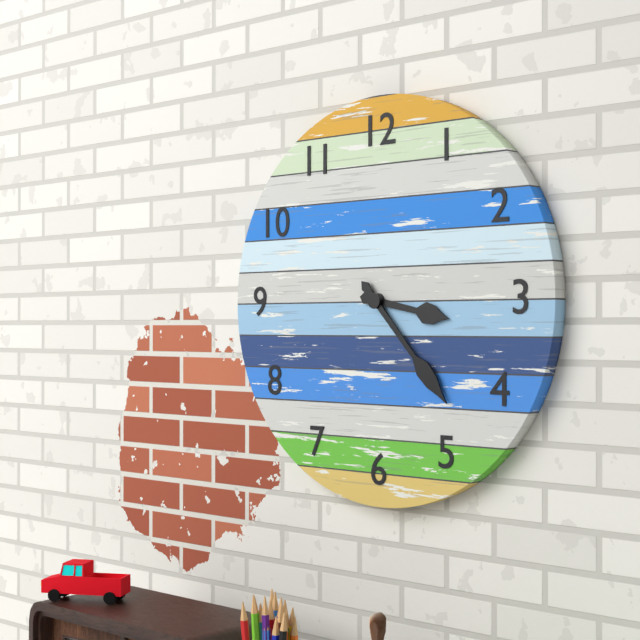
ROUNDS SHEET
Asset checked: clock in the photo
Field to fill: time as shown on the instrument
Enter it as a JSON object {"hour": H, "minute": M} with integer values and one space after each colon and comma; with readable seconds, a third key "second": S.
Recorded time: {"hour": 3, "minute": 23}
